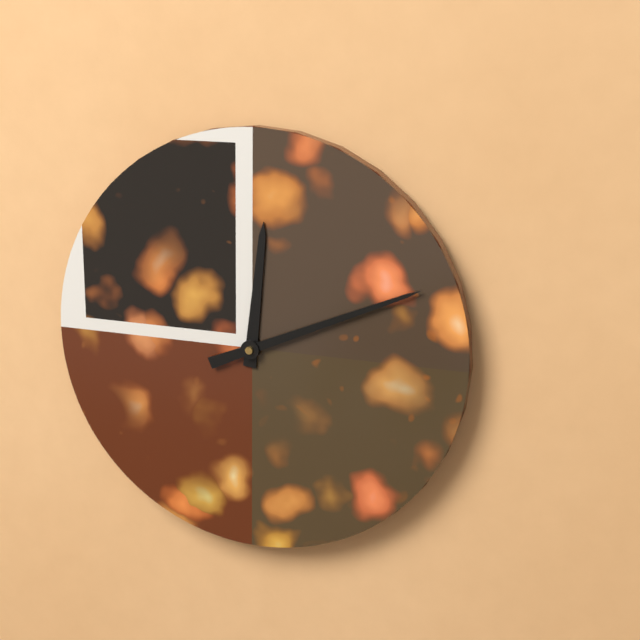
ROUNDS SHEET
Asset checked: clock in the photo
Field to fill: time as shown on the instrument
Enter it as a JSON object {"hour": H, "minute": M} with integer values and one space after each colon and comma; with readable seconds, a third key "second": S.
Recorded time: {"hour": 12, "minute": 11}
